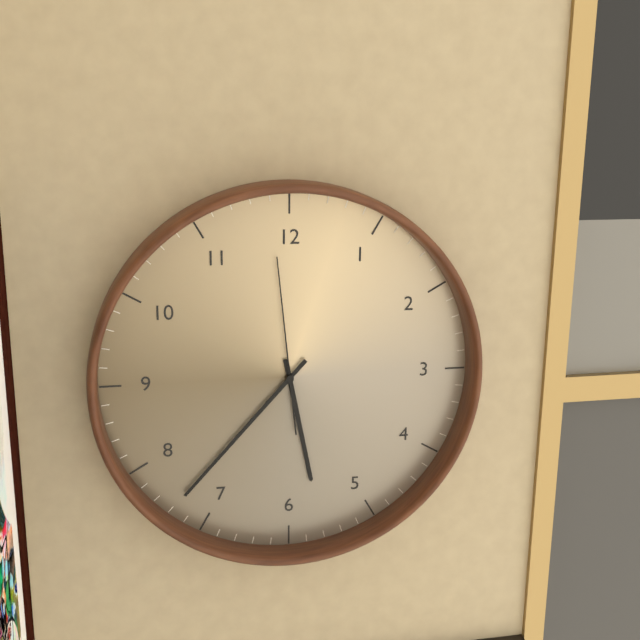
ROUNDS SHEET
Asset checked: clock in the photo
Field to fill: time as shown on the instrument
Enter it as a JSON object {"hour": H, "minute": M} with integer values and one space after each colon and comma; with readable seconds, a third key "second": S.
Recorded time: {"hour": 5, "minute": 37, "second": 59}
